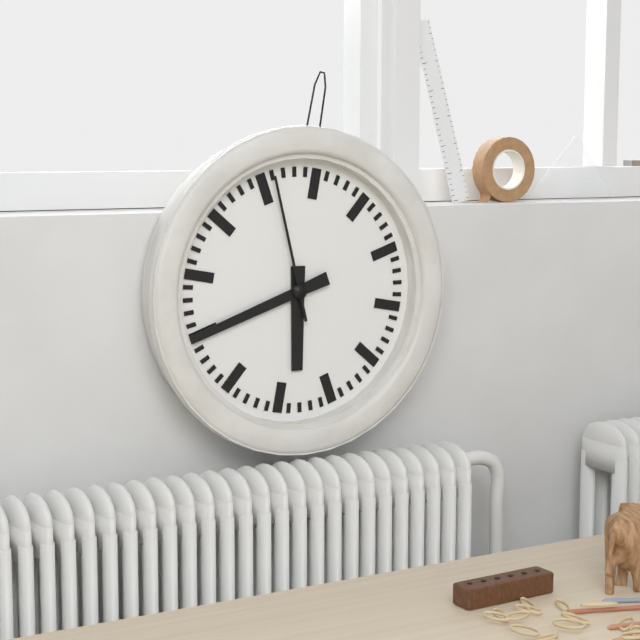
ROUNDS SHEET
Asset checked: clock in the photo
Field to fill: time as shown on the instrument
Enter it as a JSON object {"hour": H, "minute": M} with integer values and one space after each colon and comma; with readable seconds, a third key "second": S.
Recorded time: {"hour": 5, "minute": 40, "second": 56}
